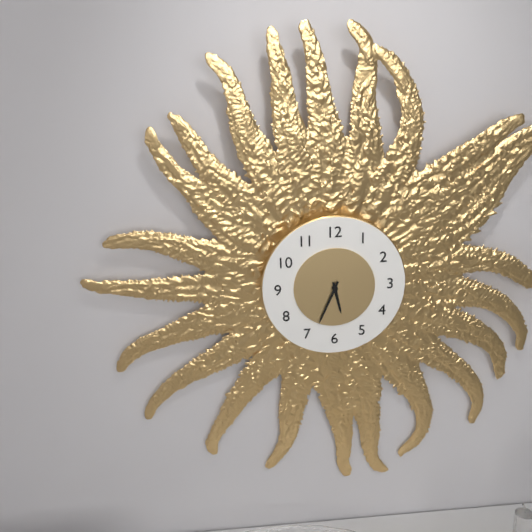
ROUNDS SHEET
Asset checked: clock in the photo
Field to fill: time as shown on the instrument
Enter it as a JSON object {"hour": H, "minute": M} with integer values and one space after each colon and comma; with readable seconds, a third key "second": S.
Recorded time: {"hour": 5, "minute": 34}
